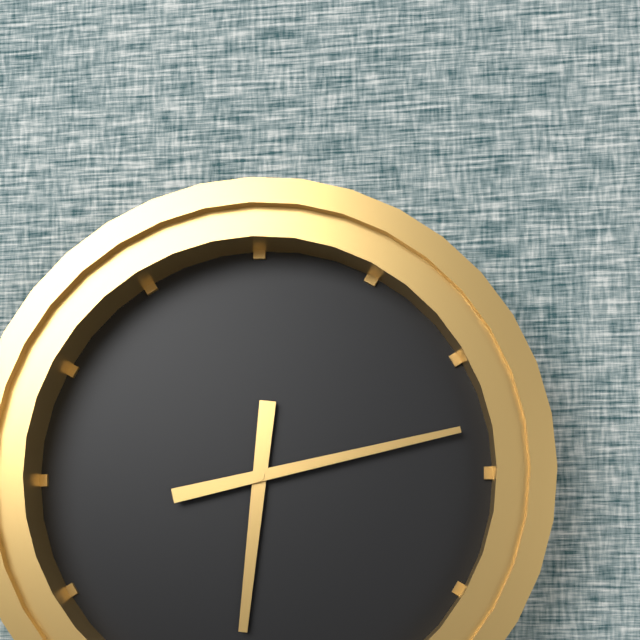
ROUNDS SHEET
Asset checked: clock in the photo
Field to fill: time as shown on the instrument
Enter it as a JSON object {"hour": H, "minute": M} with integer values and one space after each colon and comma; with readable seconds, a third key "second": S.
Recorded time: {"hour": 6, "minute": 13}
